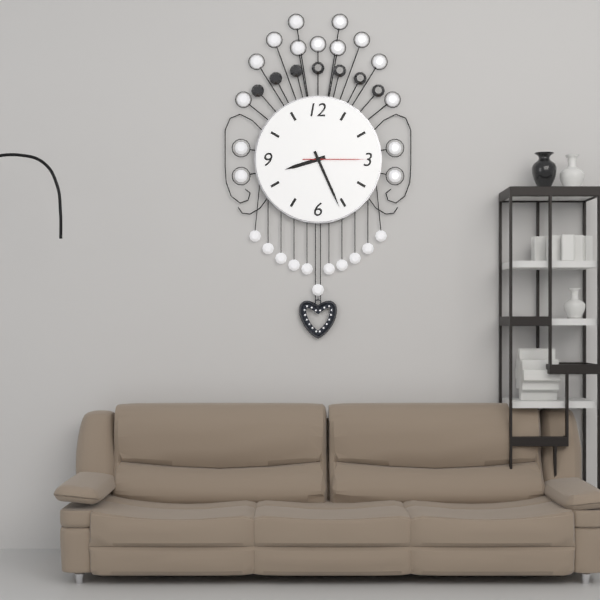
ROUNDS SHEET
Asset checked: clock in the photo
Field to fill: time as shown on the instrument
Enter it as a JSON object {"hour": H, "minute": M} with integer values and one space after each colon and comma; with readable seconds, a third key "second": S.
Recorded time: {"hour": 8, "minute": 26, "second": 15}
